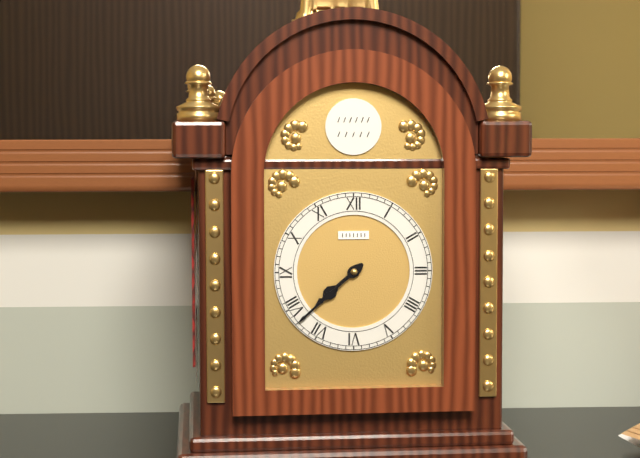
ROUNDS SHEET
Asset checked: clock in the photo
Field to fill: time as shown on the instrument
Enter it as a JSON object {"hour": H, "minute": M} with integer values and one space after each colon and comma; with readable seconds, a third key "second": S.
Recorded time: {"hour": 7, "minute": 38}
